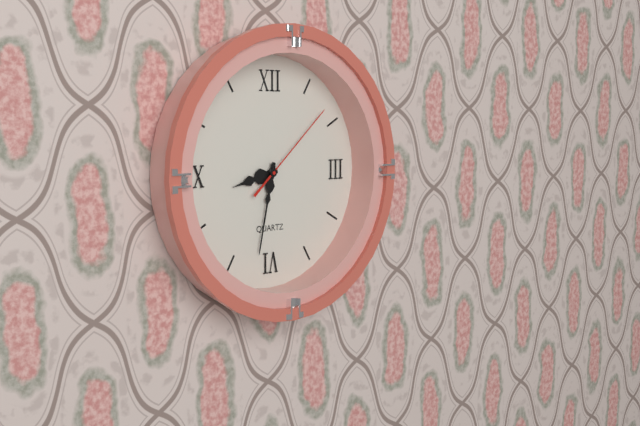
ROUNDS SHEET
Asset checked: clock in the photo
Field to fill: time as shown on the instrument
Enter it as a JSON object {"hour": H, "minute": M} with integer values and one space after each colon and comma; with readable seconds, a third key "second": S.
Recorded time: {"hour": 8, "minute": 32, "second": 8}
